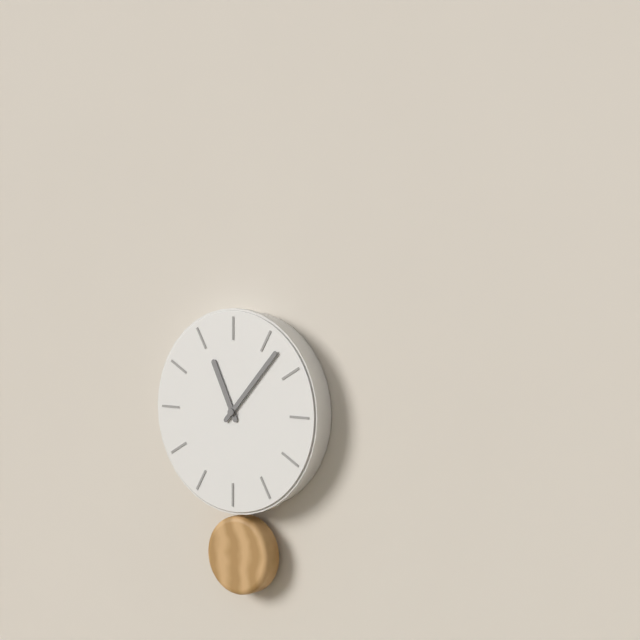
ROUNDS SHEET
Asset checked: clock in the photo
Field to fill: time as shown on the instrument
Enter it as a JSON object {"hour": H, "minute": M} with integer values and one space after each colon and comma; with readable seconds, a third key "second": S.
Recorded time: {"hour": 11, "minute": 7}
